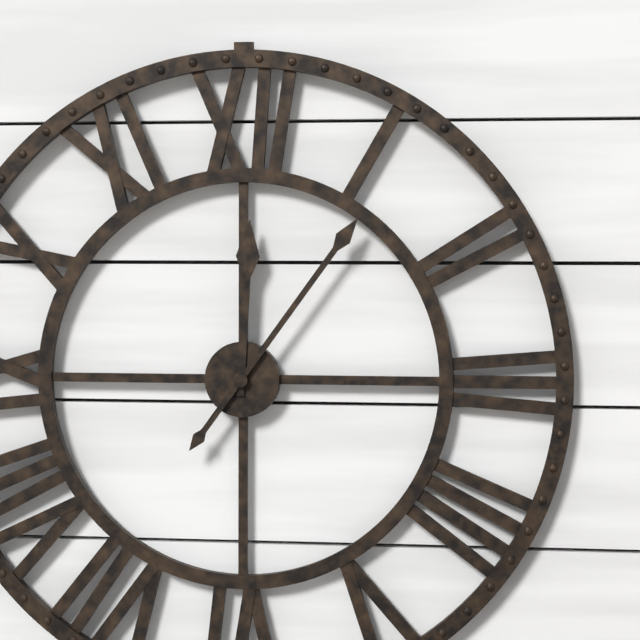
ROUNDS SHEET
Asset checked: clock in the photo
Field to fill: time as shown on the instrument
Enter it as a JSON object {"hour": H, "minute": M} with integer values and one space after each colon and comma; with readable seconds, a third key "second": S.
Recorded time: {"hour": 12, "minute": 6}
